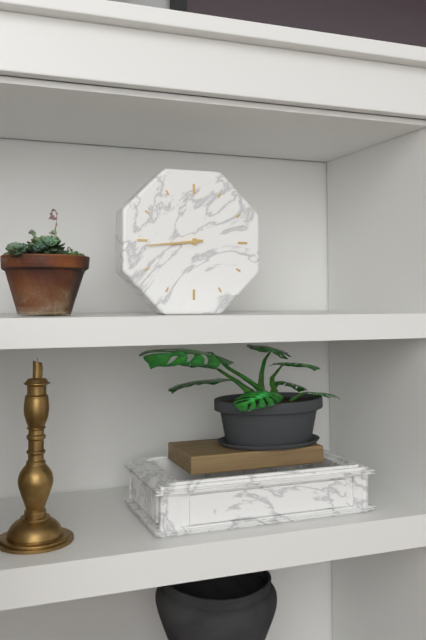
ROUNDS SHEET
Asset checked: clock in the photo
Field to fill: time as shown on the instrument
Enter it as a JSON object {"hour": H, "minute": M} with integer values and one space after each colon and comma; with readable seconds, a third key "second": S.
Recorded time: {"hour": 8, "minute": 44}
